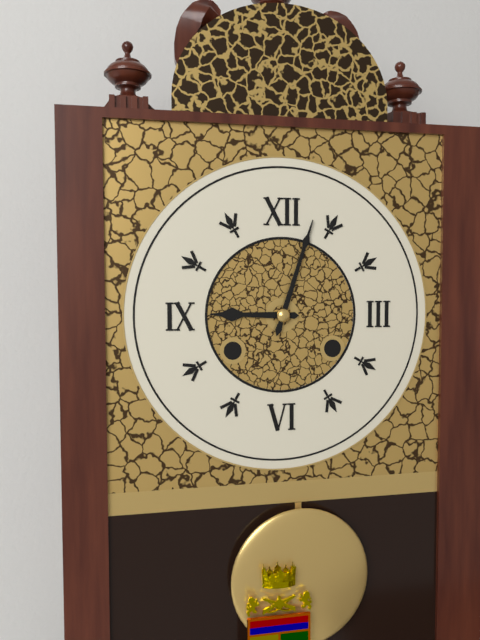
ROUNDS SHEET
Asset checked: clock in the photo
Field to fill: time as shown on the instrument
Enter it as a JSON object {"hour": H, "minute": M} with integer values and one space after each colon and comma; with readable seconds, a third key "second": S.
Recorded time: {"hour": 9, "minute": 3}
